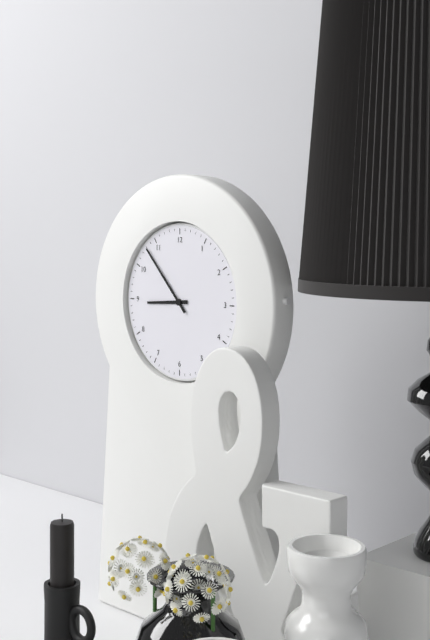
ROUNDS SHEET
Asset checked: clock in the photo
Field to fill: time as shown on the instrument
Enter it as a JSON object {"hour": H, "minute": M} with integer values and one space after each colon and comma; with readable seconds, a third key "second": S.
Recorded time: {"hour": 8, "minute": 53}
